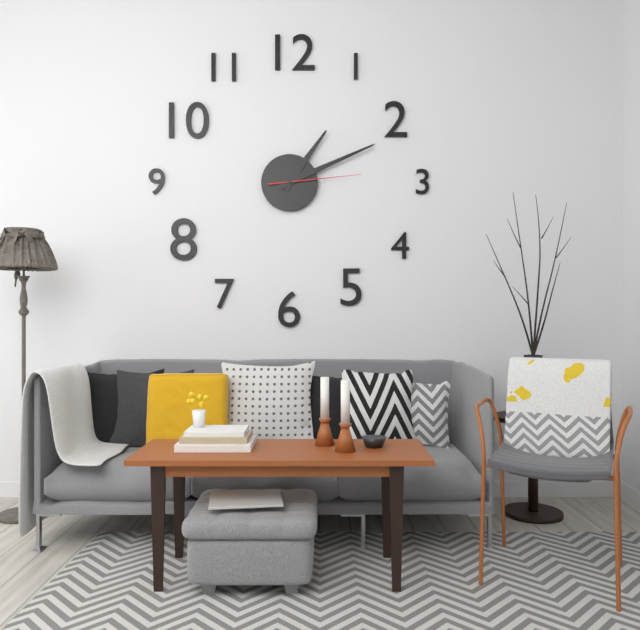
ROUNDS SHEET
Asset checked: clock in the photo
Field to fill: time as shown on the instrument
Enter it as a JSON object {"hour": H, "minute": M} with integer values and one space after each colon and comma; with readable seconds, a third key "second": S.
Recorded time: {"hour": 1, "minute": 11, "second": 14}
